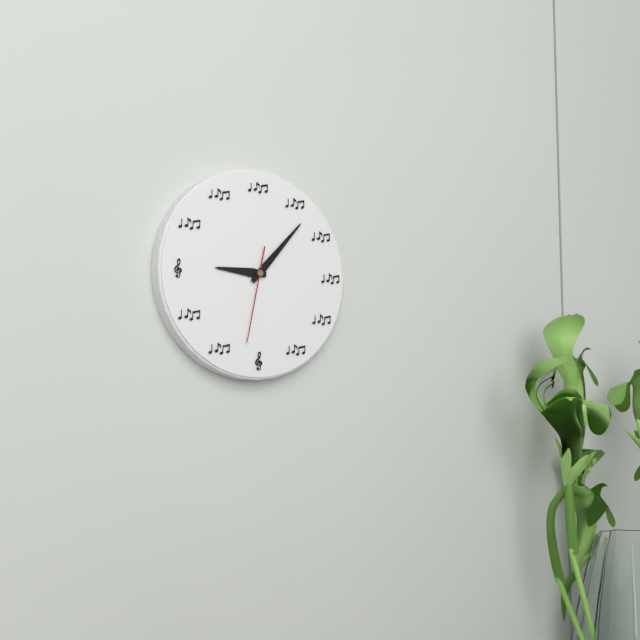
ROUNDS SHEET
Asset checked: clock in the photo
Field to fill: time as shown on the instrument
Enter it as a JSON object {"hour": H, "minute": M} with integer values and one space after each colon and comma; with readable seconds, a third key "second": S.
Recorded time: {"hour": 9, "minute": 7, "second": 32}
